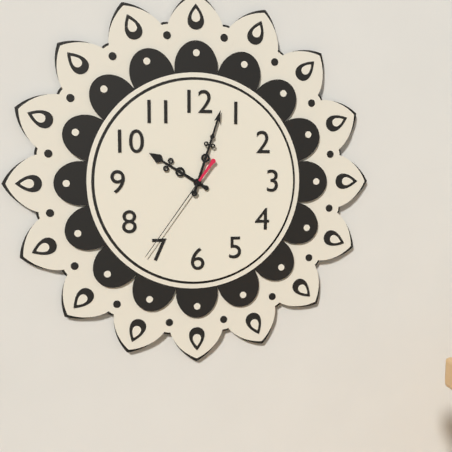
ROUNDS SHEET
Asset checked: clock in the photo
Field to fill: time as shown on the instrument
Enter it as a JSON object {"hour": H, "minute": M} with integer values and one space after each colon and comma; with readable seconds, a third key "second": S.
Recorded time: {"hour": 10, "minute": 3, "second": 36}
